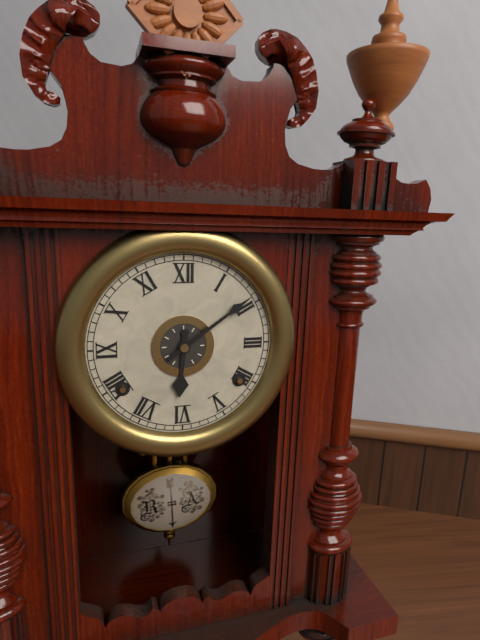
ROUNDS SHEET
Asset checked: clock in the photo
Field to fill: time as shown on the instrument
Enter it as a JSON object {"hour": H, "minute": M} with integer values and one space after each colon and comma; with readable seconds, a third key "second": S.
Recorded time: {"hour": 6, "minute": 9}
